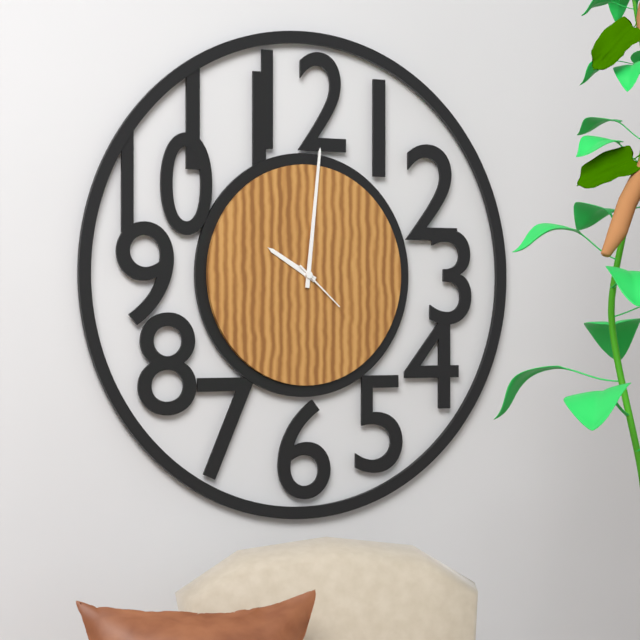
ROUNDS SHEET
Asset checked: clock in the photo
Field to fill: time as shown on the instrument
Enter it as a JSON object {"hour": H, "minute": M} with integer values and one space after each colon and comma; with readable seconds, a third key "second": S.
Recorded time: {"hour": 10, "minute": 1, "second": 22}
